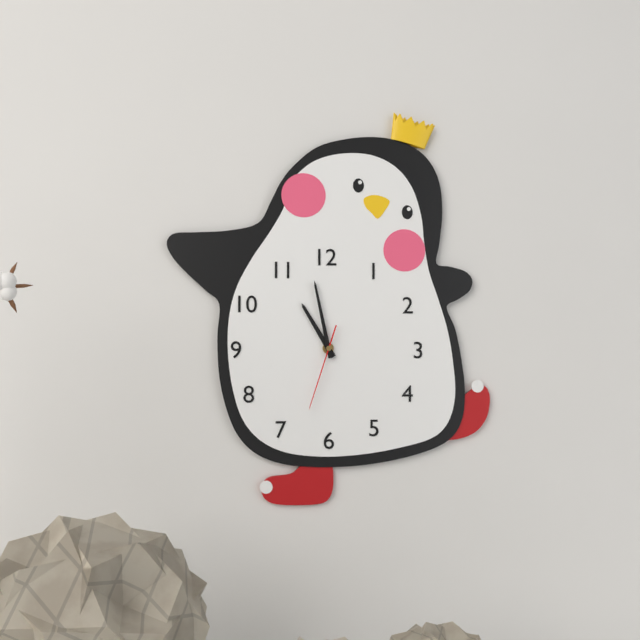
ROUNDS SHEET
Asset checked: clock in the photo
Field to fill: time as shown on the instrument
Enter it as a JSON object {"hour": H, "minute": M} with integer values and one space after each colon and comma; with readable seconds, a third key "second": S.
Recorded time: {"hour": 10, "minute": 58, "second": 33}
